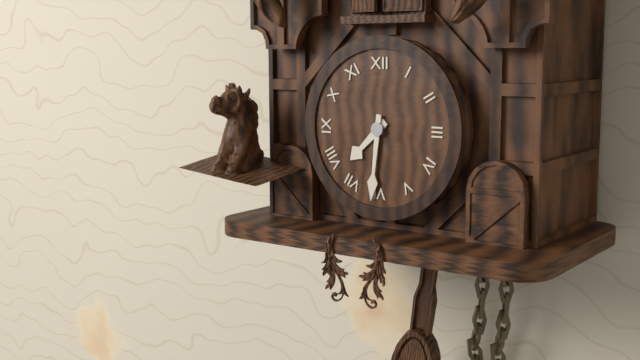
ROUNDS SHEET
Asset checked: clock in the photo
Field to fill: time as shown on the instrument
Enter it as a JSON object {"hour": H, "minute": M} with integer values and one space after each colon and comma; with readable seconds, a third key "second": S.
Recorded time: {"hour": 7, "minute": 31}
